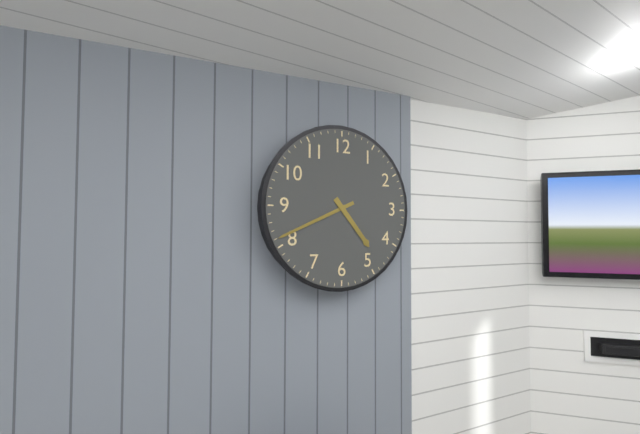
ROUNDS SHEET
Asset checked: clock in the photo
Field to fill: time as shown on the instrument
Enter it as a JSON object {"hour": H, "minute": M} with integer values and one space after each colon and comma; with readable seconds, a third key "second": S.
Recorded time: {"hour": 4, "minute": 41}
